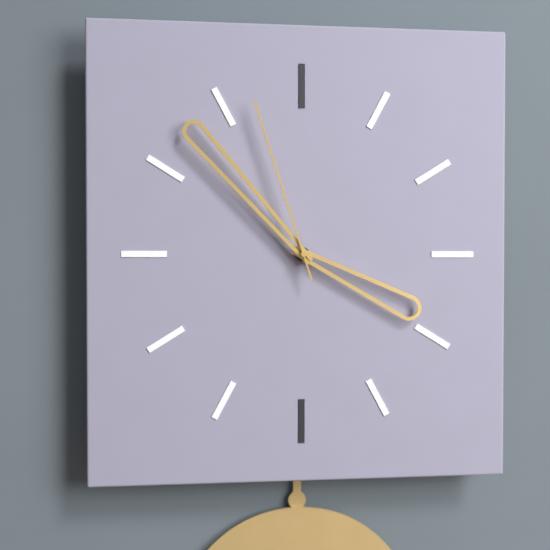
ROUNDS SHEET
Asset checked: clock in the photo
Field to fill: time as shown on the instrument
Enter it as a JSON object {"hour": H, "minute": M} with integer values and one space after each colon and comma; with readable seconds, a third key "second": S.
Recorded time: {"hour": 3, "minute": 53, "second": 57}
